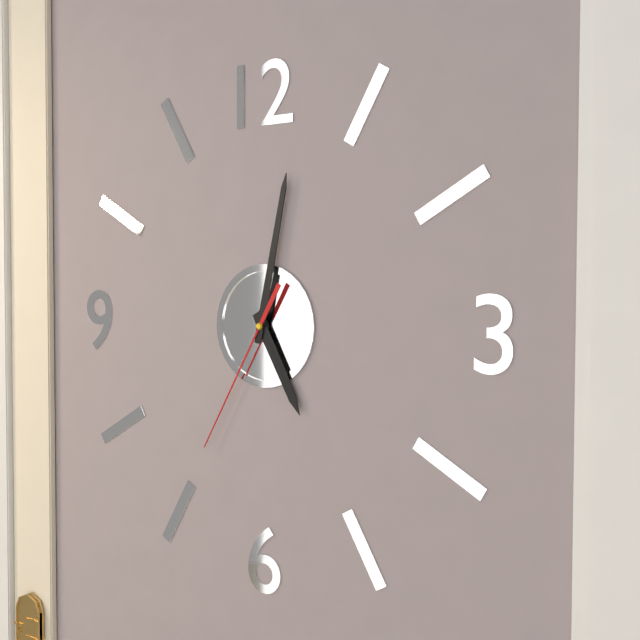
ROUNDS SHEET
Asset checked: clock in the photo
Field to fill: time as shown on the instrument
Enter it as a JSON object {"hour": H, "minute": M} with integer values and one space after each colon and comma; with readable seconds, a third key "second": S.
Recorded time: {"hour": 5, "minute": 2, "second": 35}
